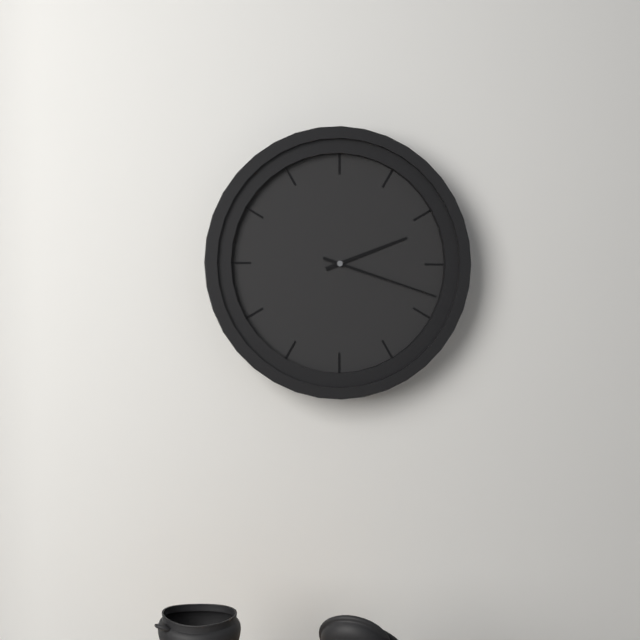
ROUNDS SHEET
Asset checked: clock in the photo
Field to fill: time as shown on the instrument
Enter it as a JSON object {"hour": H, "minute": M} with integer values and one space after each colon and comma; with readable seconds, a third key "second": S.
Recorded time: {"hour": 2, "minute": 18}
